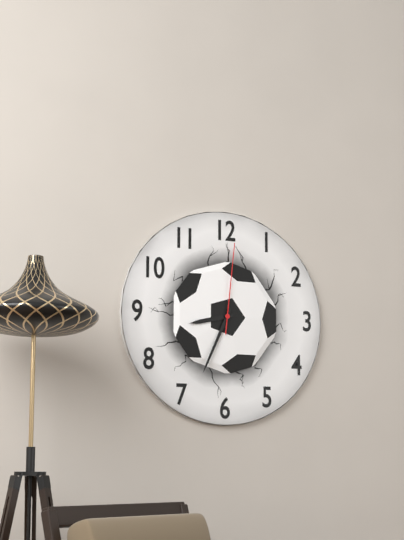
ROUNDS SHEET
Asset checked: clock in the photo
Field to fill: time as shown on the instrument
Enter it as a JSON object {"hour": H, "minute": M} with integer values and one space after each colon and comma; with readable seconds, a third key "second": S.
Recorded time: {"hour": 8, "minute": 34, "second": 1}
